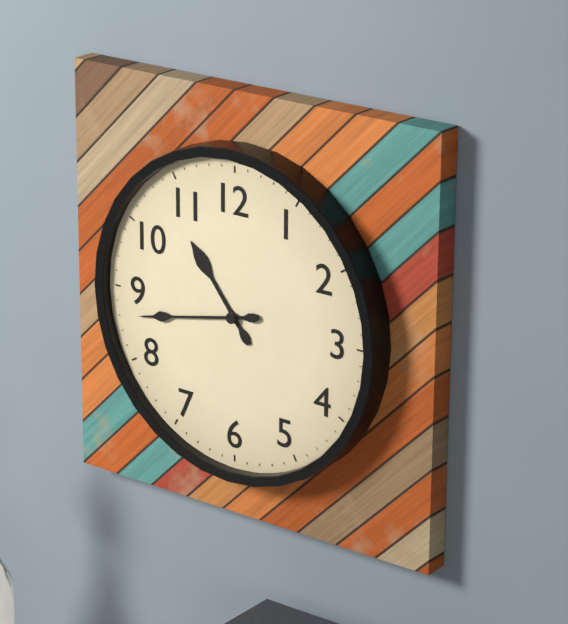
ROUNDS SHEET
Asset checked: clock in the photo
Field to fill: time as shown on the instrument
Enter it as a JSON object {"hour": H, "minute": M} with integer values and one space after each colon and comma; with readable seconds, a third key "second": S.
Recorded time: {"hour": 10, "minute": 43}
